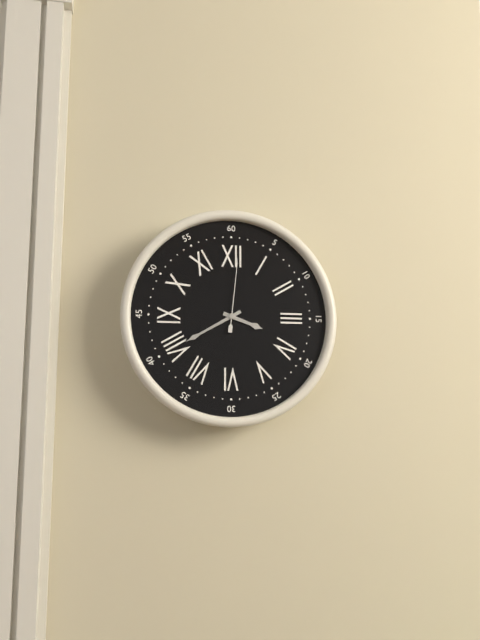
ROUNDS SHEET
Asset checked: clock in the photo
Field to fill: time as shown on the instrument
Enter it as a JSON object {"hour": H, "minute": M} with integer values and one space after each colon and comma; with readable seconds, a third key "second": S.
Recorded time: {"hour": 3, "minute": 40, "second": 1}
